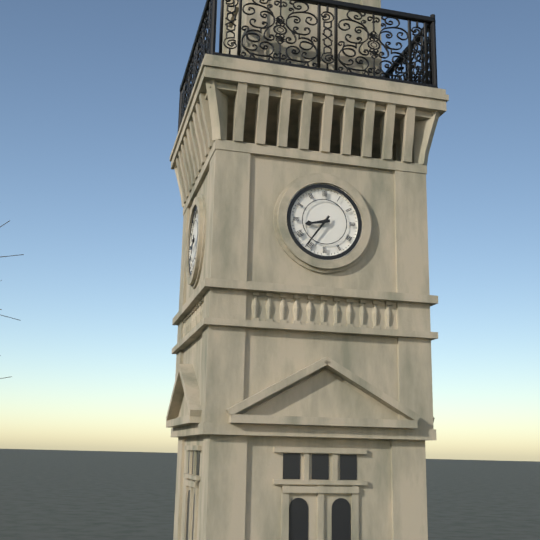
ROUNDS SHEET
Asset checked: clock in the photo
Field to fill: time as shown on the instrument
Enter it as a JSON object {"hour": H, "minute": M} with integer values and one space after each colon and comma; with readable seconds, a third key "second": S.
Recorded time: {"hour": 8, "minute": 36}
